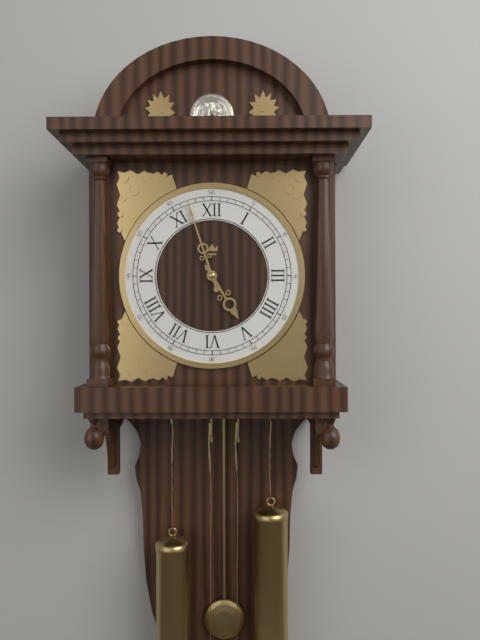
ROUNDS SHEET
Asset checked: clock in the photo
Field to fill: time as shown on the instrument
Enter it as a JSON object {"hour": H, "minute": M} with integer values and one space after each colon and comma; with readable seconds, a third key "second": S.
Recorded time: {"hour": 4, "minute": 57}
